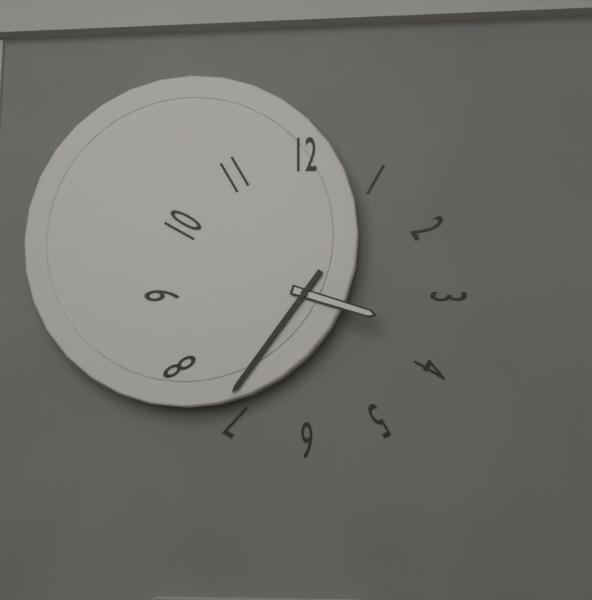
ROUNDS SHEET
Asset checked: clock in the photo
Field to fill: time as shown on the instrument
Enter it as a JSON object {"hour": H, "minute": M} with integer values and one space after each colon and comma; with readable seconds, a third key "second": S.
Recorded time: {"hour": 3, "minute": 36}
